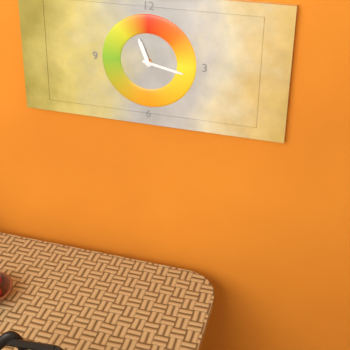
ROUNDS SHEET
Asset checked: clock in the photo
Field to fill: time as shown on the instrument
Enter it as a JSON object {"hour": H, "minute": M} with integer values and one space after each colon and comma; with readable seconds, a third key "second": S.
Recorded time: {"hour": 11, "minute": 17}
